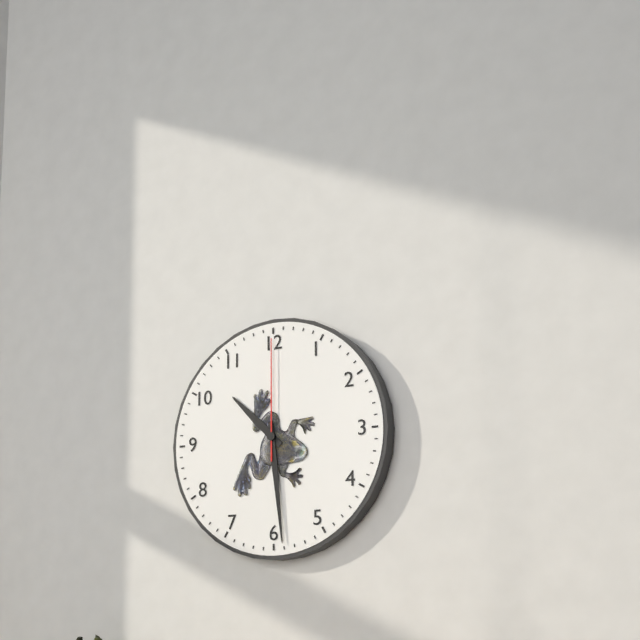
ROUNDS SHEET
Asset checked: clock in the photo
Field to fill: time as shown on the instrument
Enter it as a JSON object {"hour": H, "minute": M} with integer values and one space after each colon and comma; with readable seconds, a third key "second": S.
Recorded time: {"hour": 10, "minute": 29, "second": 0}
